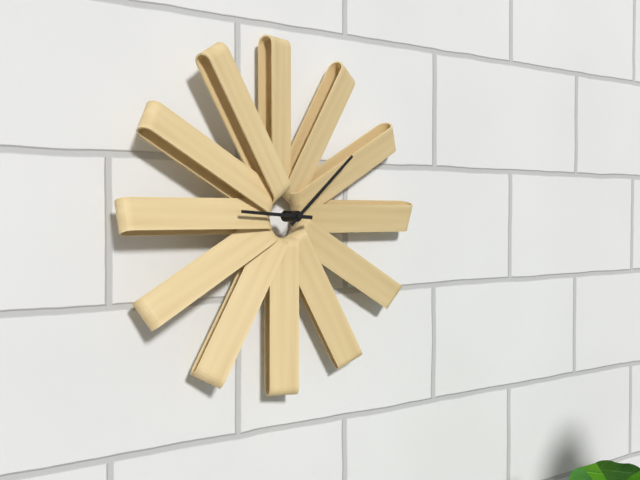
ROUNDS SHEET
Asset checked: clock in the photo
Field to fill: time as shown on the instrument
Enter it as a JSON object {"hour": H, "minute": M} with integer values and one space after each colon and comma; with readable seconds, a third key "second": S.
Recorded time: {"hour": 9, "minute": 8}
